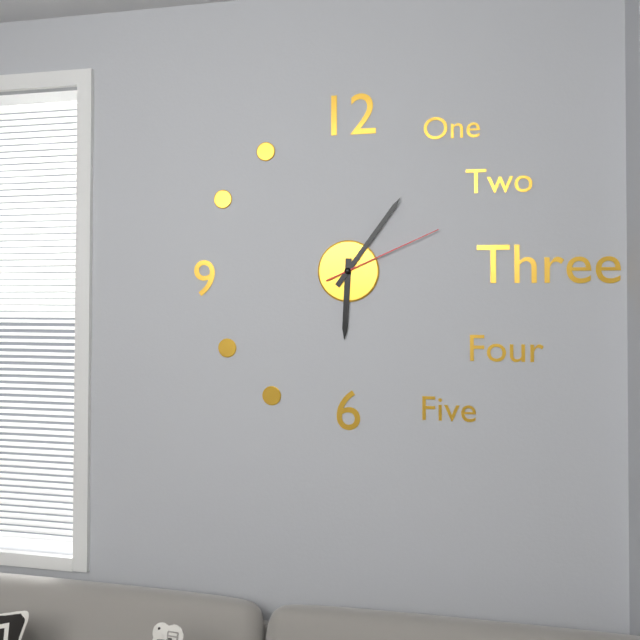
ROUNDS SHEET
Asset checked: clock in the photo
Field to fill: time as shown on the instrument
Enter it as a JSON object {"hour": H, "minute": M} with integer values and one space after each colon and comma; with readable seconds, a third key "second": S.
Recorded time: {"hour": 6, "minute": 6, "second": 11}
